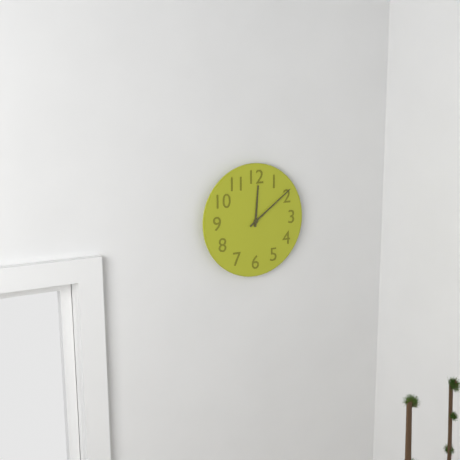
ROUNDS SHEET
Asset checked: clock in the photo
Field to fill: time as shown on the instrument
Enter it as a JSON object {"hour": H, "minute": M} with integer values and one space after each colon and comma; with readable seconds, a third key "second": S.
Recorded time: {"hour": 12, "minute": 9}
